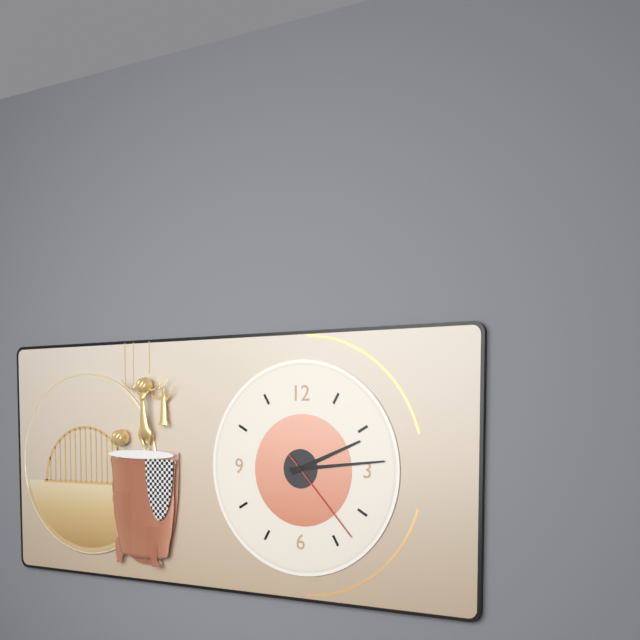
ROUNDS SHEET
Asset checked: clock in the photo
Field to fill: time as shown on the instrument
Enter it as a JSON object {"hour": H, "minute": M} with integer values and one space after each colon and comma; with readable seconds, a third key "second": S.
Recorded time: {"hour": 2, "minute": 14, "second": 23}
